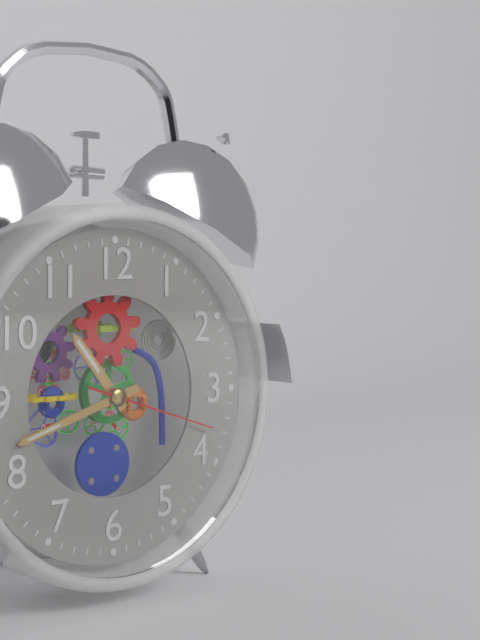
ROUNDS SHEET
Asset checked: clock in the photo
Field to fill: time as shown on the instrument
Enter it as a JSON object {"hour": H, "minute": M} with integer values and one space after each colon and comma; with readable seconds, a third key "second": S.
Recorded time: {"hour": 10, "minute": 42, "second": 18}
